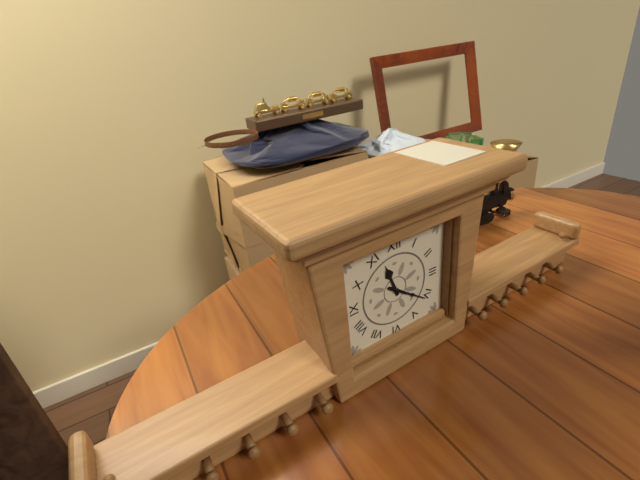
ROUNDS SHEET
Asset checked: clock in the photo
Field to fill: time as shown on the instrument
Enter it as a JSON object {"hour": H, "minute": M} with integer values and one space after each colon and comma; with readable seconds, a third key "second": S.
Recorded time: {"hour": 11, "minute": 21}
